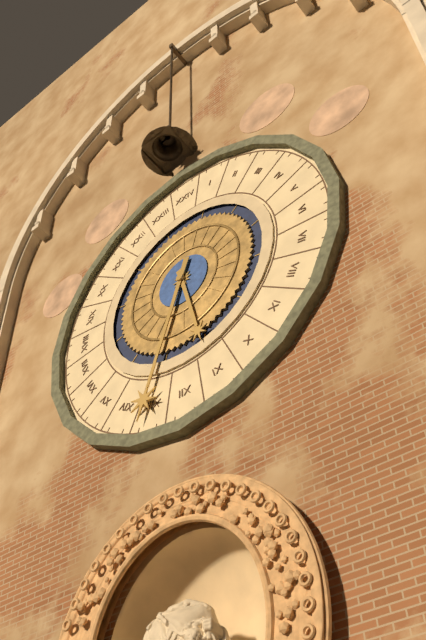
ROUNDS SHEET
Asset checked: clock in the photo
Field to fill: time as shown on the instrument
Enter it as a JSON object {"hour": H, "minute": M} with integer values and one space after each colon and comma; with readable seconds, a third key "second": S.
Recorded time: {"hour": 5, "minute": 33}
